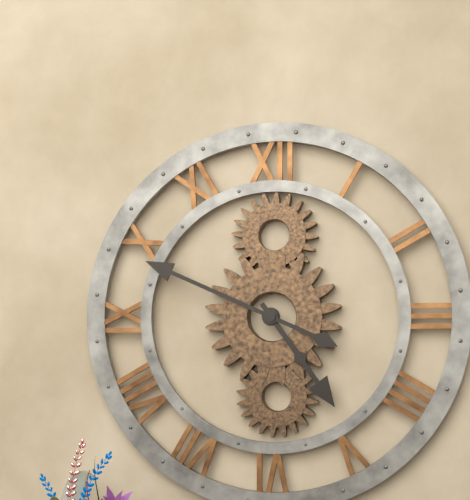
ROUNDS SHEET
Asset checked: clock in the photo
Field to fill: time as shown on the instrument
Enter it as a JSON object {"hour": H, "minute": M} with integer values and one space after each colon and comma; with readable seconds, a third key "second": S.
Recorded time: {"hour": 4, "minute": 49}
